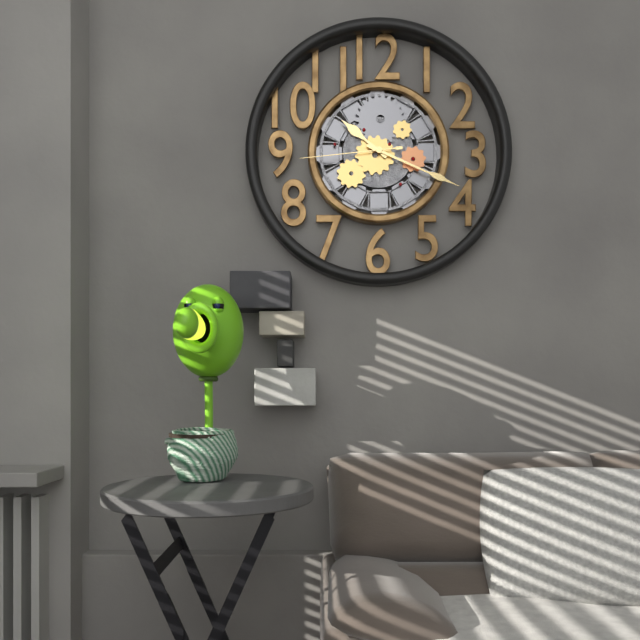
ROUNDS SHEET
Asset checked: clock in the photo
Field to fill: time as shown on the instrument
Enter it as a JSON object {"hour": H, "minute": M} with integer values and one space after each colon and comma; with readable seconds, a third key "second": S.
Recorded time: {"hour": 10, "minute": 19, "second": 44}
